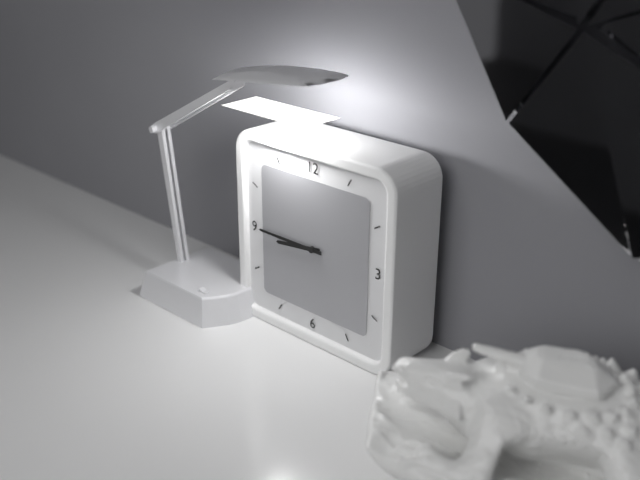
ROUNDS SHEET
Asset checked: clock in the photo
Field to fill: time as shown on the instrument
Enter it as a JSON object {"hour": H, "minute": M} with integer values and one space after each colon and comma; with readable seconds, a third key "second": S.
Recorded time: {"hour": 8, "minute": 45}
